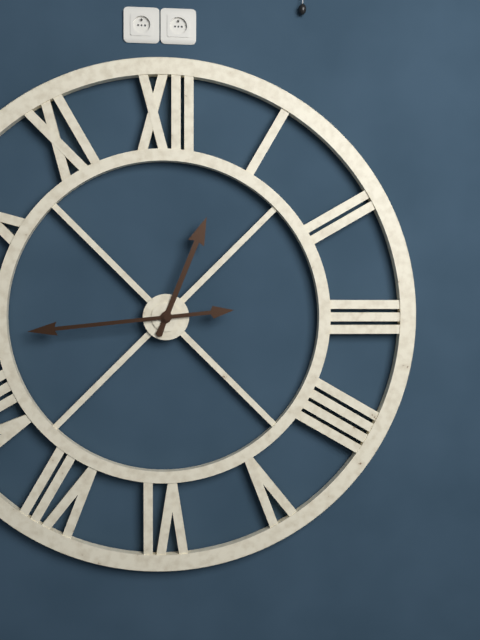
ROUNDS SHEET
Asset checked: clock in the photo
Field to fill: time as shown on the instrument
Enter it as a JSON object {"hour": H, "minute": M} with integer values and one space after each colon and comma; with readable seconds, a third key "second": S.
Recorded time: {"hour": 12, "minute": 44}
